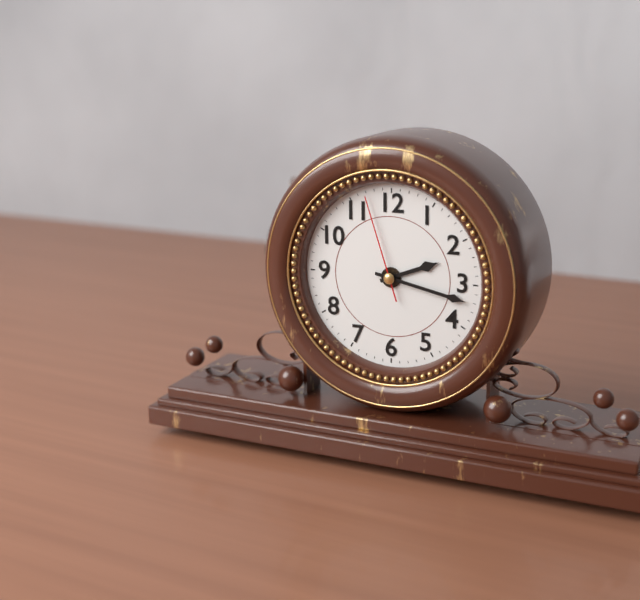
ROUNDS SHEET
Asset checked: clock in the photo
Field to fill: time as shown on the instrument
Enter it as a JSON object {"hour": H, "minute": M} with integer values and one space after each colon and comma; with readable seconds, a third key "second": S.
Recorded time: {"hour": 2, "minute": 17, "second": 57}
